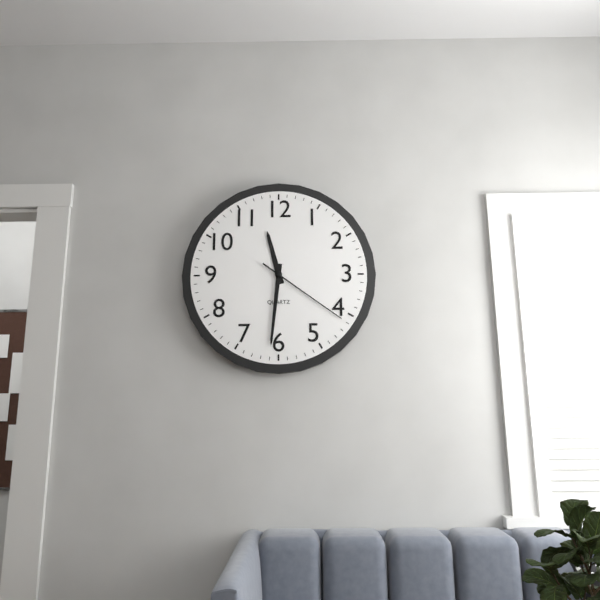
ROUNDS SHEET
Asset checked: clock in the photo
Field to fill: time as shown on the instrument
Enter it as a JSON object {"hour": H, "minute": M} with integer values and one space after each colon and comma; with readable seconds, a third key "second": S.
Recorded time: {"hour": 11, "minute": 31, "second": 21}
